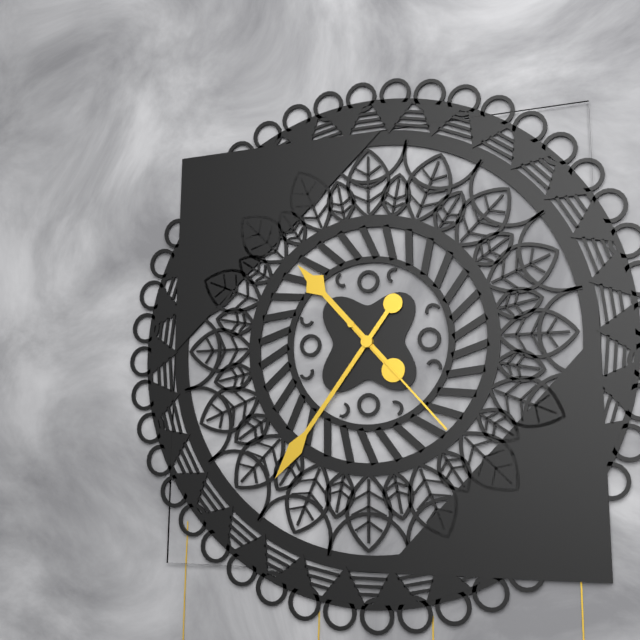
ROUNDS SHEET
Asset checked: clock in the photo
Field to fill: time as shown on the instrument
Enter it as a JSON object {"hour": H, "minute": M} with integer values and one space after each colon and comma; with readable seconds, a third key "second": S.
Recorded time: {"hour": 10, "minute": 36, "second": 23}
